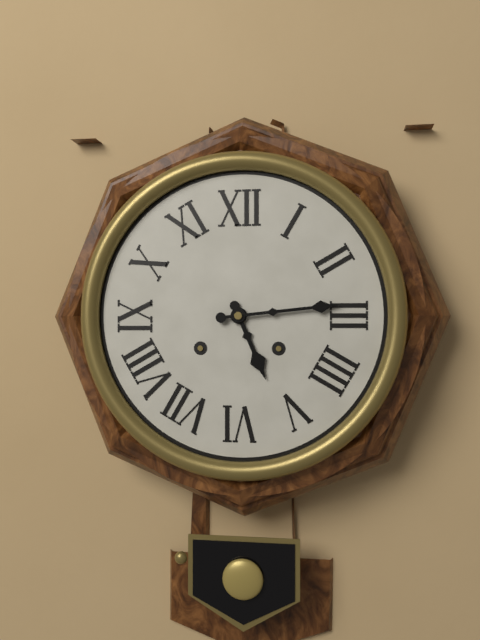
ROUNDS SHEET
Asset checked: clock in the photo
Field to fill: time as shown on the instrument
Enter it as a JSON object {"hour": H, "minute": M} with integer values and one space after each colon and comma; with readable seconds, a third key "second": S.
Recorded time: {"hour": 5, "minute": 14}
